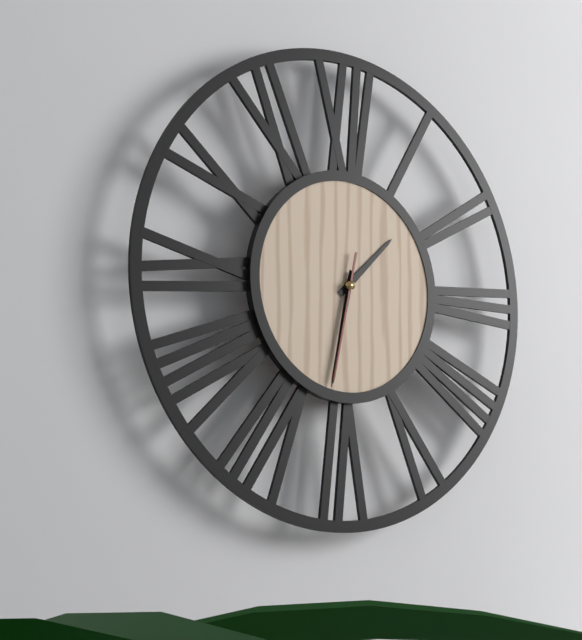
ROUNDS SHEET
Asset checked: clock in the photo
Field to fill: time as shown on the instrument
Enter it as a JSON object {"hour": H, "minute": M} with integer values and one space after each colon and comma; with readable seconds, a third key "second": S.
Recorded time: {"hour": 1, "minute": 32, "second": 32}
